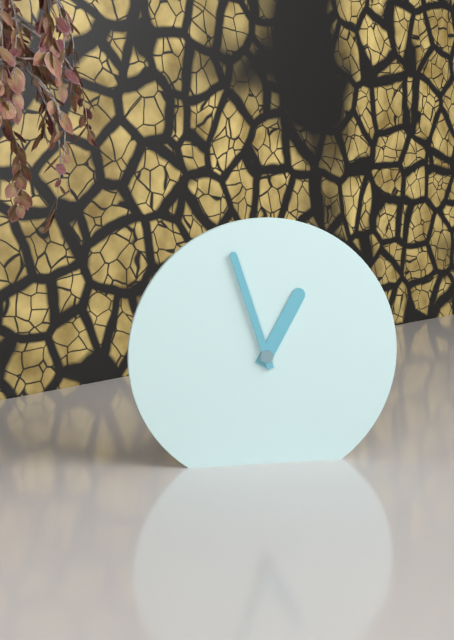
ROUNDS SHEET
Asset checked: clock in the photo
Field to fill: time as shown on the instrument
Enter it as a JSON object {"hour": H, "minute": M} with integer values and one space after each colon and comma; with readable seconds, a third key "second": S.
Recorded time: {"hour": 12, "minute": 57}
